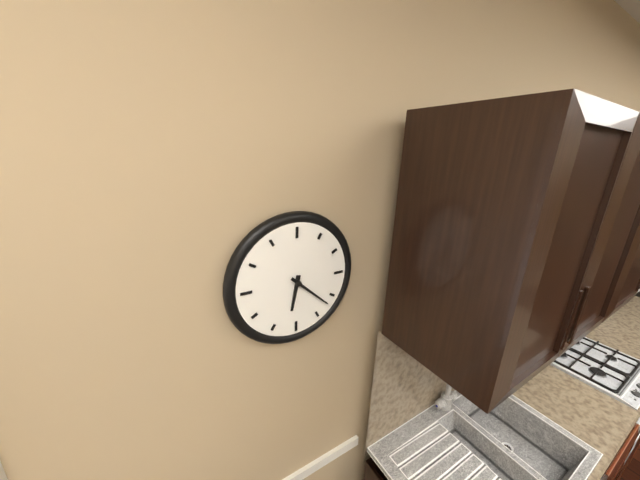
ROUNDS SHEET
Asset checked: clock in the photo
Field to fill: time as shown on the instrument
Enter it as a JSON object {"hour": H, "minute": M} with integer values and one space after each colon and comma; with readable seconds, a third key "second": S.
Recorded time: {"hour": 6, "minute": 22}
